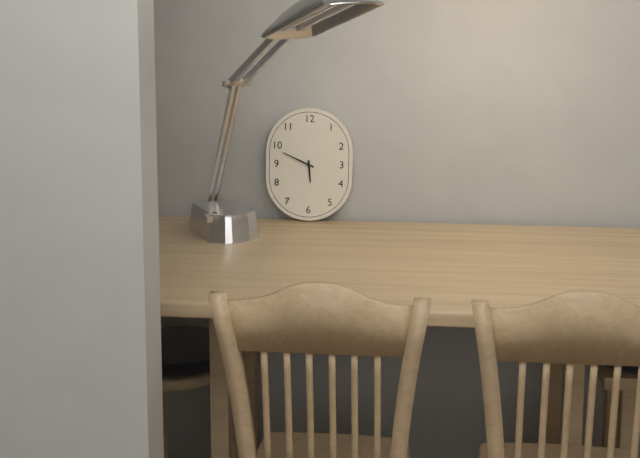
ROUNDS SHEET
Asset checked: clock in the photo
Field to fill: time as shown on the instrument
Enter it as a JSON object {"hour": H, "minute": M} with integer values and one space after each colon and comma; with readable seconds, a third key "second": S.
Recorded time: {"hour": 5, "minute": 49}
